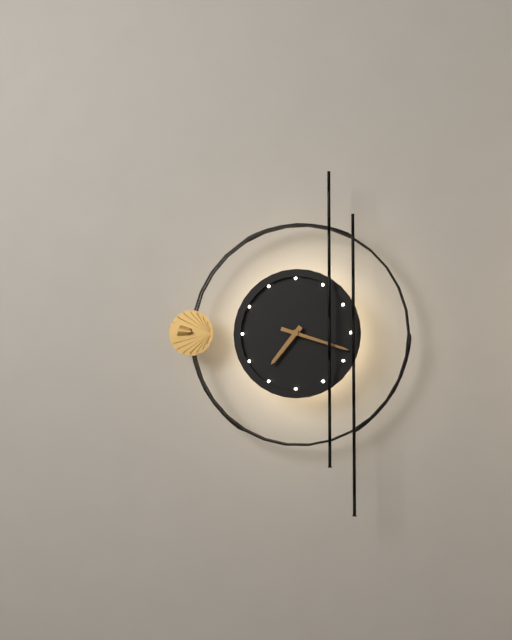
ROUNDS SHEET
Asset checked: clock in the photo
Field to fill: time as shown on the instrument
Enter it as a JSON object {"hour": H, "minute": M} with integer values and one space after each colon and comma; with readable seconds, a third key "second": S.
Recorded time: {"hour": 7, "minute": 18}
